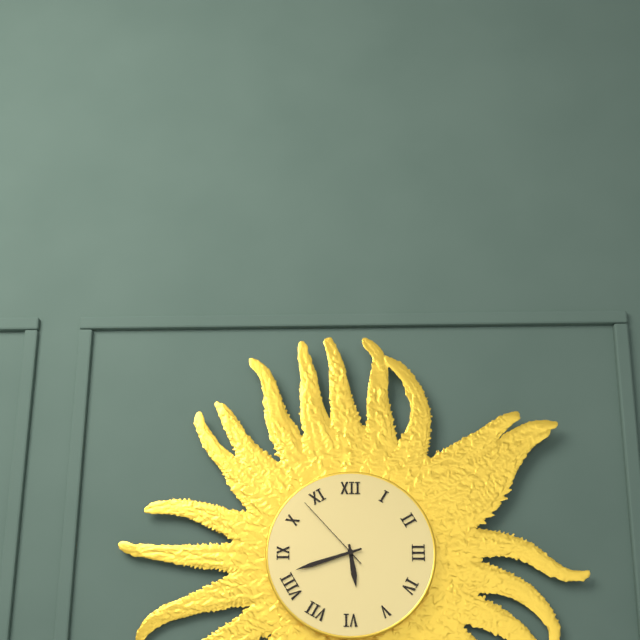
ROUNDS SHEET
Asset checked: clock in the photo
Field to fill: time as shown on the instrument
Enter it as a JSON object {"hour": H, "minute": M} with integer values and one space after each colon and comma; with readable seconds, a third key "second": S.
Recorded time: {"hour": 5, "minute": 42, "second": 53}
